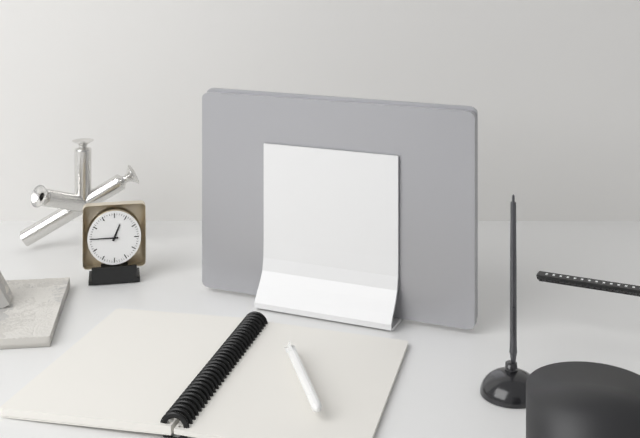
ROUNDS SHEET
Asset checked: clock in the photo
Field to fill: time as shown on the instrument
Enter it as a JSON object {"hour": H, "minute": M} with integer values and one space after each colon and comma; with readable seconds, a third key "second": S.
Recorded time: {"hour": 12, "minute": 45}
